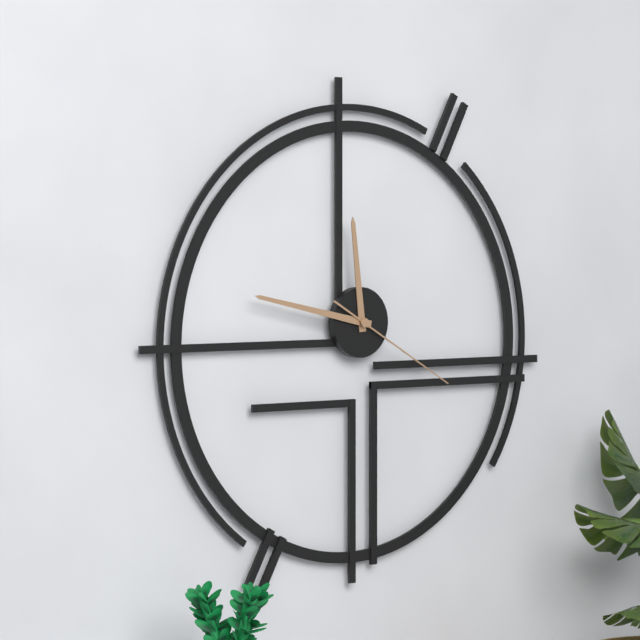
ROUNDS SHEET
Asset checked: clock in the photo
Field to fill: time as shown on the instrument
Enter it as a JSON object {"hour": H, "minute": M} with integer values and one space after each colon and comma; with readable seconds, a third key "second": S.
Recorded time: {"hour": 11, "minute": 47, "second": 20}
